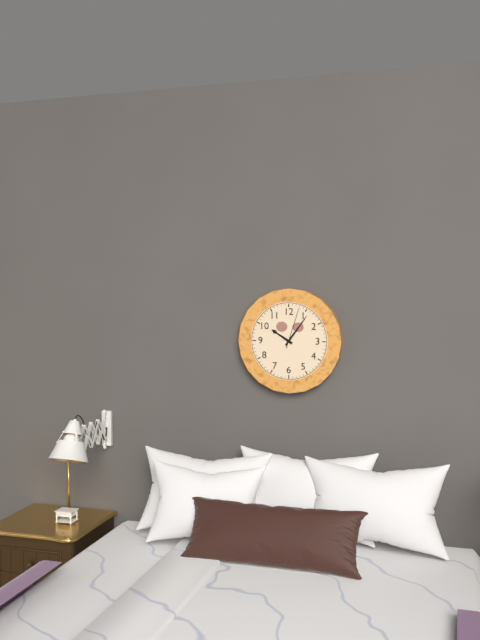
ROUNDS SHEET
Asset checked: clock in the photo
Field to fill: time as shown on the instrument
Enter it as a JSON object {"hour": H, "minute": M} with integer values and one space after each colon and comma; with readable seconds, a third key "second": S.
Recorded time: {"hour": 10, "minute": 6}
